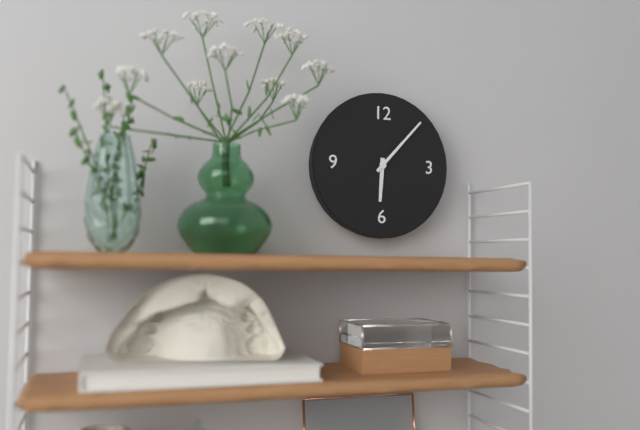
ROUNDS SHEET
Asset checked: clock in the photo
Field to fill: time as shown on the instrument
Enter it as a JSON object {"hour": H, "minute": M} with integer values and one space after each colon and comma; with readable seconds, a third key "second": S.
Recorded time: {"hour": 6, "minute": 7}
